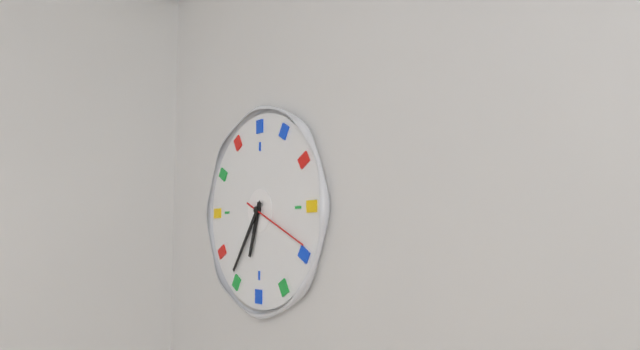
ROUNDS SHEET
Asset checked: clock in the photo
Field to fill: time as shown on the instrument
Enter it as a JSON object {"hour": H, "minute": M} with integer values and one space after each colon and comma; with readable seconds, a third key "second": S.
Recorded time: {"hour": 6, "minute": 36, "second": 19}
